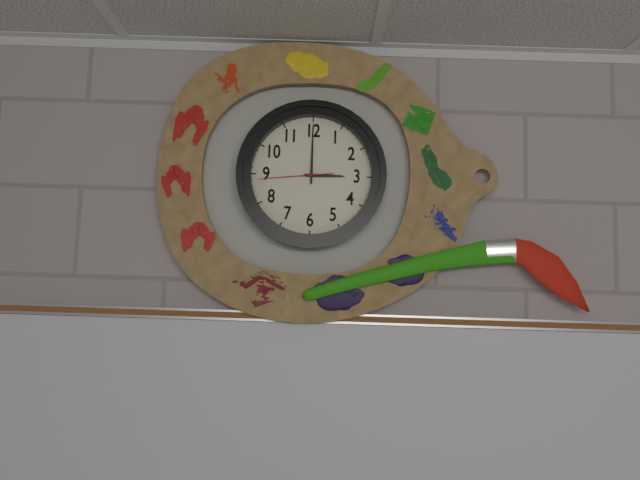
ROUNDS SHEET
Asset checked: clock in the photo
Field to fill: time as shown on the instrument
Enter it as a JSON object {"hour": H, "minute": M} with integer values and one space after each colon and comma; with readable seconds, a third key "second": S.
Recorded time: {"hour": 3, "minute": 0, "second": 44}
